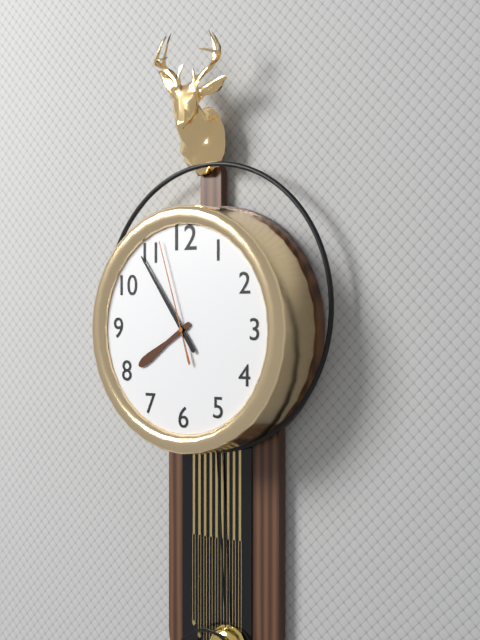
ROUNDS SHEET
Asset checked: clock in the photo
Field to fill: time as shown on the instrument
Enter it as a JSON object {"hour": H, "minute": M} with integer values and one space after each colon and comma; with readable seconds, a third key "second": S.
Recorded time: {"hour": 7, "minute": 54, "second": 57}
